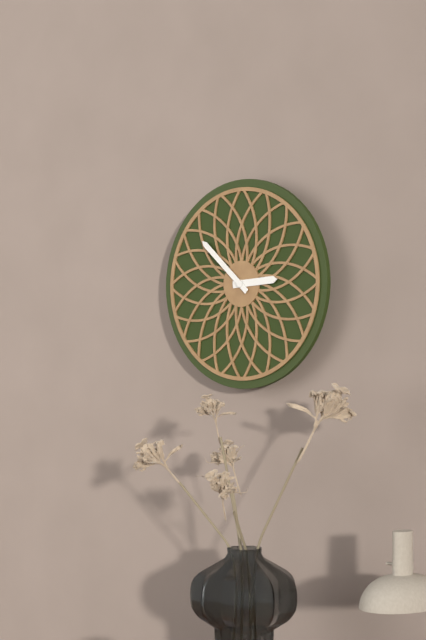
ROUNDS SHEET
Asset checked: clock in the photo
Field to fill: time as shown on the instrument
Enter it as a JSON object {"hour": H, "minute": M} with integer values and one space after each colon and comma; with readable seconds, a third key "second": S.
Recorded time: {"hour": 2, "minute": 52}
